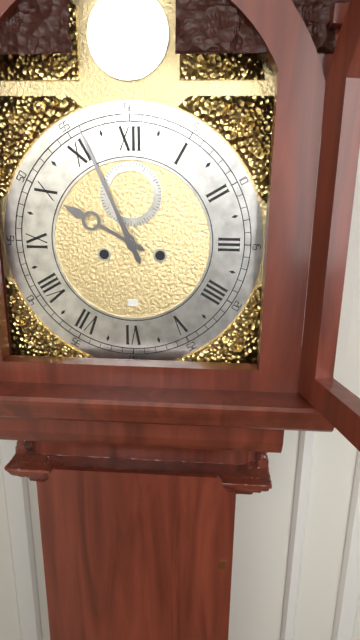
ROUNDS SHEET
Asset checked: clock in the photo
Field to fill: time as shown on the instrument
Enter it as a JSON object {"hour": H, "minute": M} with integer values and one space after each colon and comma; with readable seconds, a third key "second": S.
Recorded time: {"hour": 9, "minute": 56}
